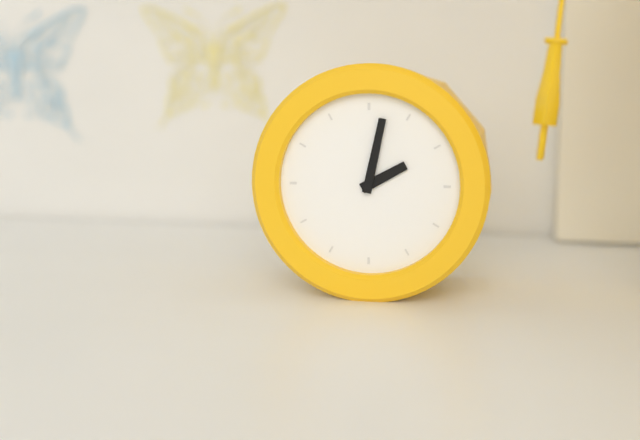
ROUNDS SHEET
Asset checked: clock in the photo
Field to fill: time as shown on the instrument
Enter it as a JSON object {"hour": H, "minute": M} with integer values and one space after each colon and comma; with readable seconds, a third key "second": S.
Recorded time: {"hour": 2, "minute": 2}
